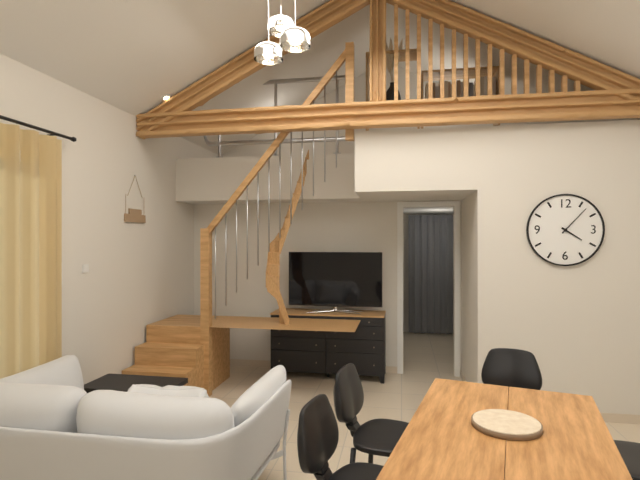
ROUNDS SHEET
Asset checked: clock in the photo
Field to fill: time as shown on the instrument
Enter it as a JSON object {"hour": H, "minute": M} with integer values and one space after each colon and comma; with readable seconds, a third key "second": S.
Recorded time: {"hour": 4, "minute": 7}
